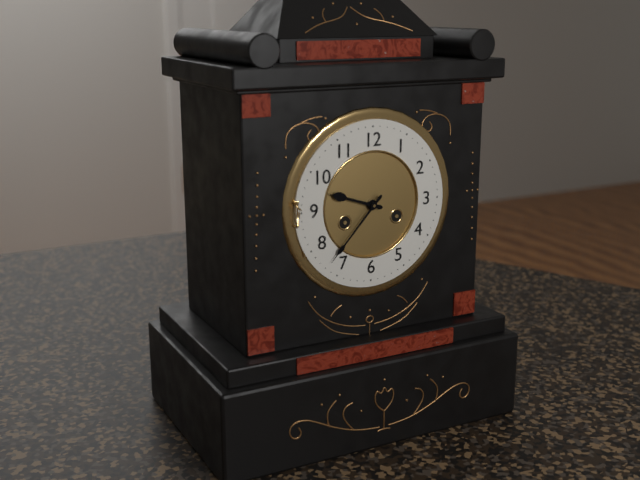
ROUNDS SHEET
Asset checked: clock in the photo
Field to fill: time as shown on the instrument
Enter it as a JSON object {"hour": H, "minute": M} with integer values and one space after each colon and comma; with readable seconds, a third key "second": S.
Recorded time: {"hour": 9, "minute": 37}
